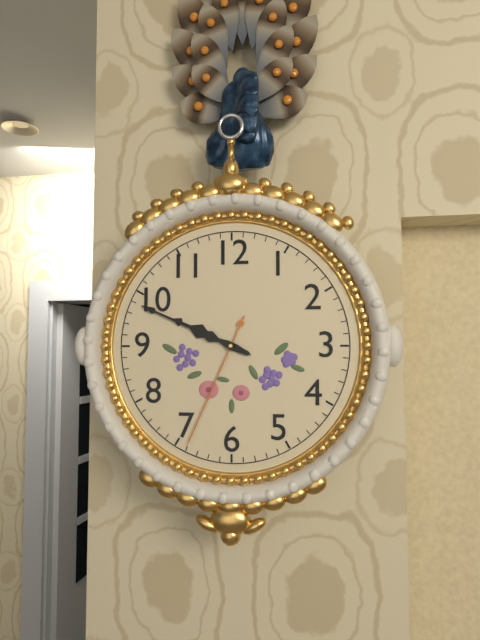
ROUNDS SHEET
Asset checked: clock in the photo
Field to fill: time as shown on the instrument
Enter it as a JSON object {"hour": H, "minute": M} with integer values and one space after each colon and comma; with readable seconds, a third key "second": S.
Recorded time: {"hour": 9, "minute": 49, "second": 34}
